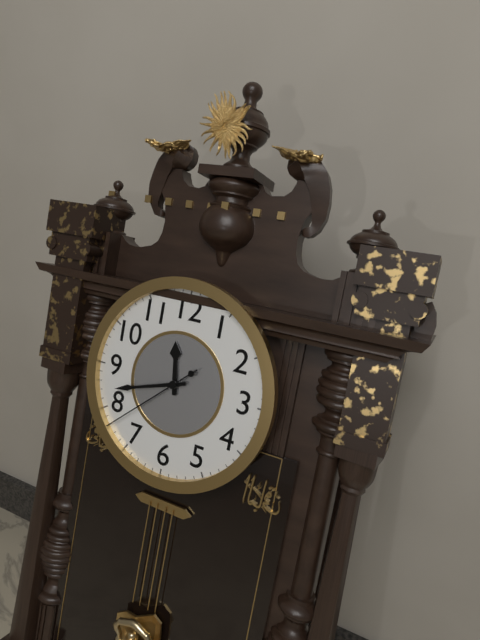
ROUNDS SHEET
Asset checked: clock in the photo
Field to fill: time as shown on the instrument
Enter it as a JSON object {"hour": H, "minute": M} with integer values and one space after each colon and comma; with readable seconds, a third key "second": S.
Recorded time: {"hour": 11, "minute": 42, "second": 38}
